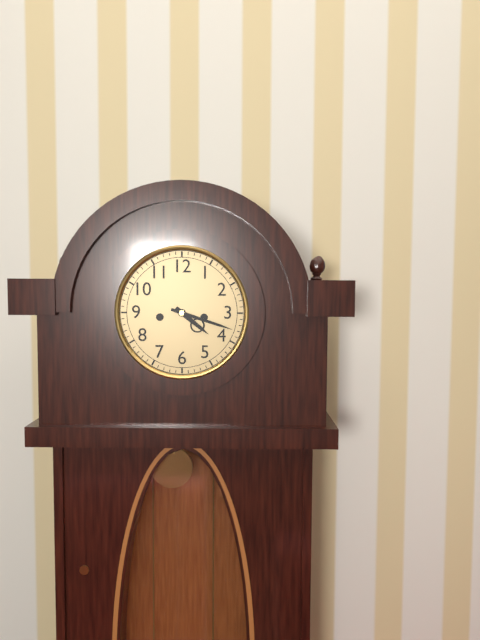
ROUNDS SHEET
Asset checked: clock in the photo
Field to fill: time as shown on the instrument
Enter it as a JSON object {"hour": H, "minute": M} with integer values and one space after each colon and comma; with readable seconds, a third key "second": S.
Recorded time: {"hour": 4, "minute": 18}
